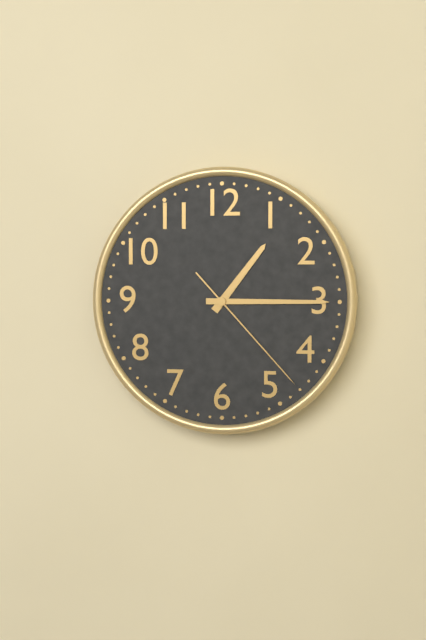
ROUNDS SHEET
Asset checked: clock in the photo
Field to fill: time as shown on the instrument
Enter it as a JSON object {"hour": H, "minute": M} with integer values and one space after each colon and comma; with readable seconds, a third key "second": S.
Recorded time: {"hour": 1, "minute": 15, "second": 23}
